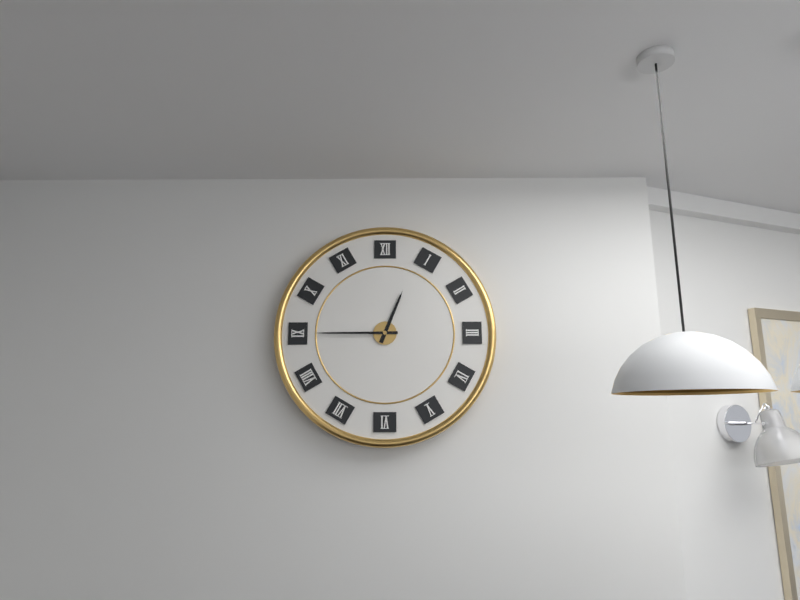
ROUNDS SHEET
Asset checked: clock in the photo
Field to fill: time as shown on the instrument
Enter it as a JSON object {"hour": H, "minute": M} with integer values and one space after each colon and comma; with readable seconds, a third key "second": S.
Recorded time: {"hour": 12, "minute": 45}
